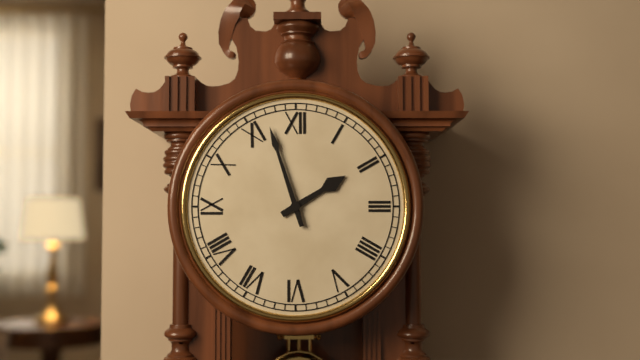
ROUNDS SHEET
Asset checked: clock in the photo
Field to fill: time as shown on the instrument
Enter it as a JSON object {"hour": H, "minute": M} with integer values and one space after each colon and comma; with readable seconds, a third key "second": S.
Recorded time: {"hour": 1, "minute": 57}
